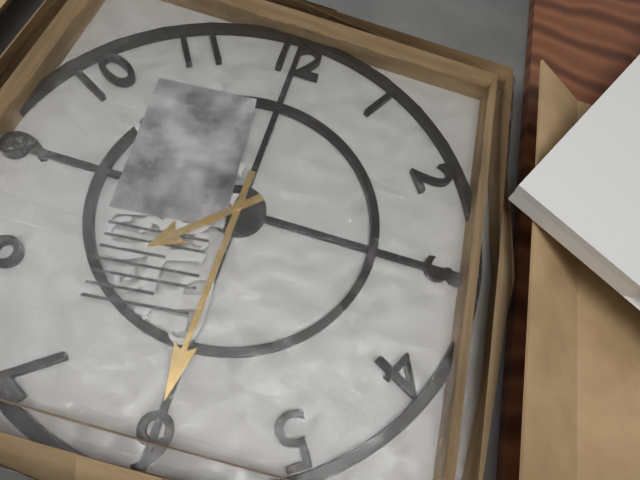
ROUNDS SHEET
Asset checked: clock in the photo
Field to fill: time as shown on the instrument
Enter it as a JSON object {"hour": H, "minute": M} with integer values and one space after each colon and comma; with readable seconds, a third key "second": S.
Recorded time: {"hour": 7, "minute": 30}
